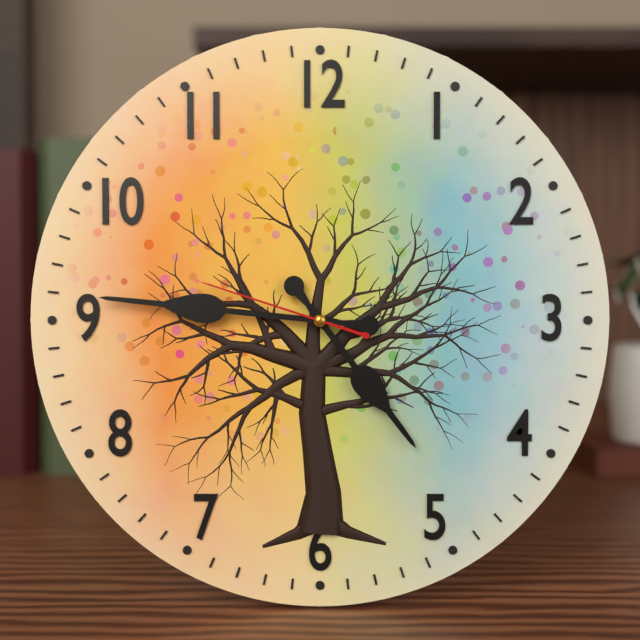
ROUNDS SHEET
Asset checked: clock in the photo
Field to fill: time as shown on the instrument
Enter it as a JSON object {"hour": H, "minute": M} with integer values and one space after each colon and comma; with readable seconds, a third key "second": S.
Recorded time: {"hour": 4, "minute": 46, "second": 48}
